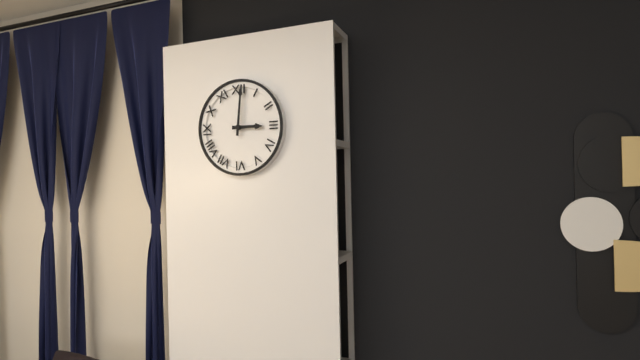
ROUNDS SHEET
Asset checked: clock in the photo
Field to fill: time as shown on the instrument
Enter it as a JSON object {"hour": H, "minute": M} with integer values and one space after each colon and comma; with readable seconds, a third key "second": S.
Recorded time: {"hour": 3, "minute": 1}
